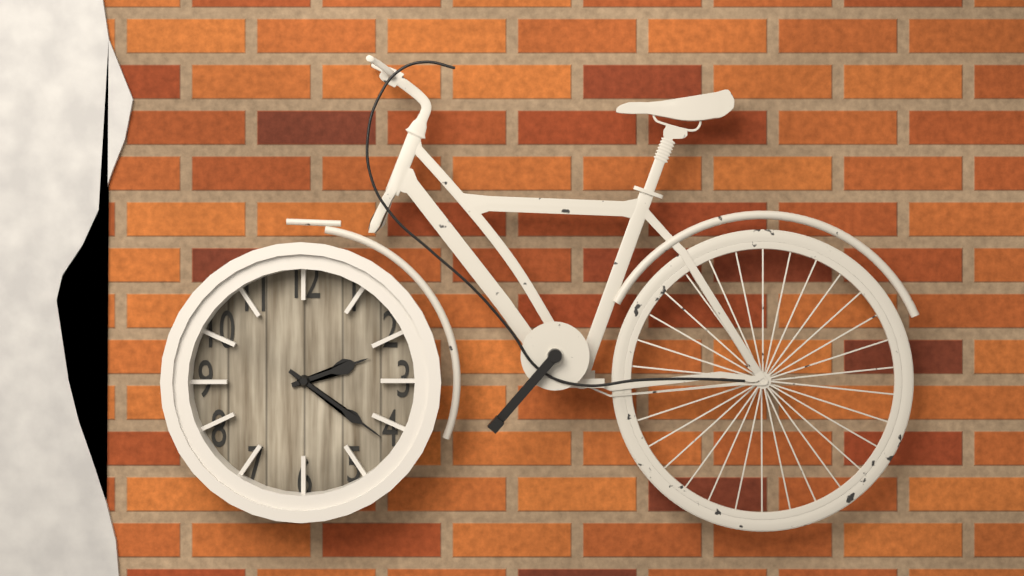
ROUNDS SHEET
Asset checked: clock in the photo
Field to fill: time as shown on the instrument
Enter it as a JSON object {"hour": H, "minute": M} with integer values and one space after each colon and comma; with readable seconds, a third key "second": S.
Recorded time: {"hour": 2, "minute": 21}
